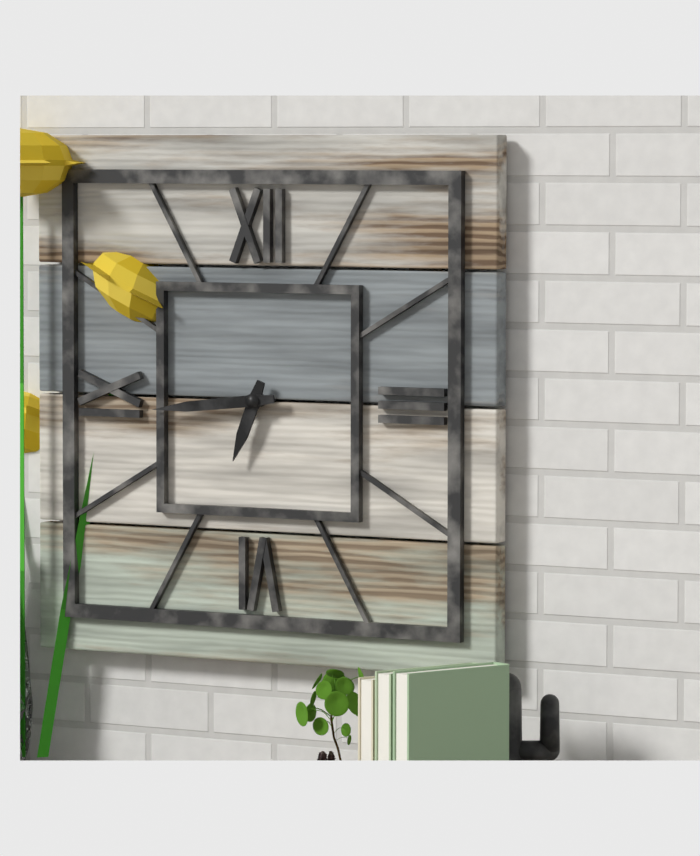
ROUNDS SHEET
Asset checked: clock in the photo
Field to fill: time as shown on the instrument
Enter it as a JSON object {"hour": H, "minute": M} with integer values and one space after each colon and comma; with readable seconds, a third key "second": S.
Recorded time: {"hour": 6, "minute": 44}
